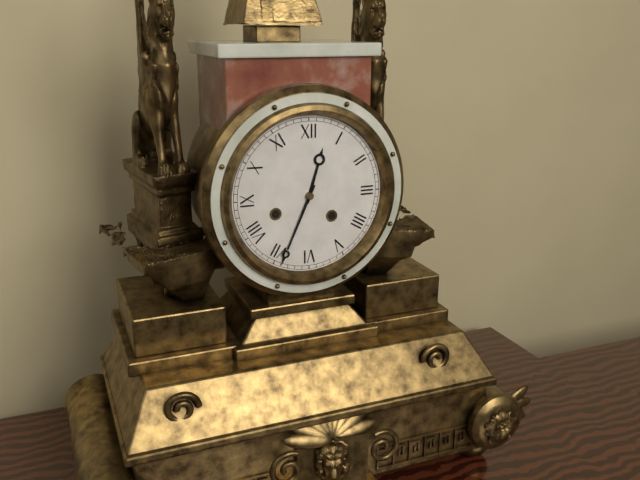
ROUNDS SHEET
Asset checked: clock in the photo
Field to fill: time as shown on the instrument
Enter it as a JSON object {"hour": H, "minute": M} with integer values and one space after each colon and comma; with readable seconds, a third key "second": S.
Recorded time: {"hour": 12, "minute": 34}
